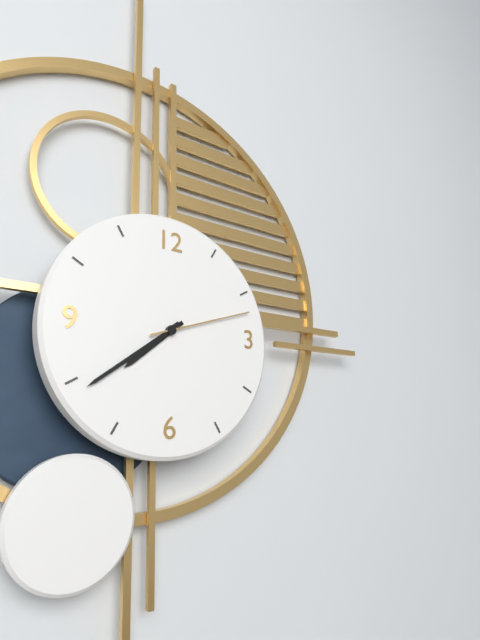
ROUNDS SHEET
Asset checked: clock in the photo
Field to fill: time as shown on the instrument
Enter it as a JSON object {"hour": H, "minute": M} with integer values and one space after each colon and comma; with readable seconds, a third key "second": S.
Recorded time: {"hour": 7, "minute": 39, "second": 12}
